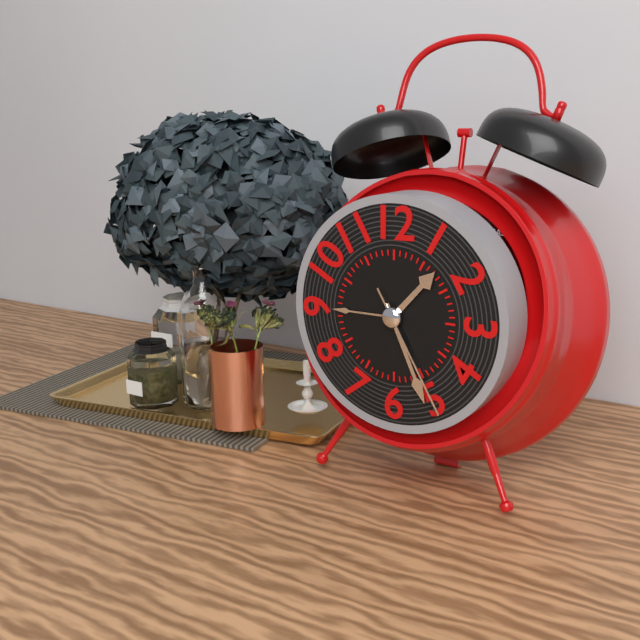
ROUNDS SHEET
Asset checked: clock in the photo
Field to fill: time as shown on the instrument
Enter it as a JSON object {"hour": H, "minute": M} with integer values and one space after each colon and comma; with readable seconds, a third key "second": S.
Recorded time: {"hour": 1, "minute": 26, "second": 25}
